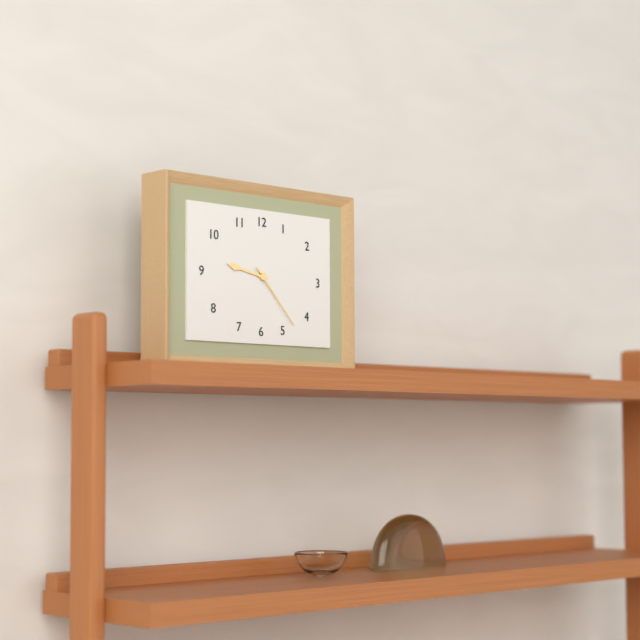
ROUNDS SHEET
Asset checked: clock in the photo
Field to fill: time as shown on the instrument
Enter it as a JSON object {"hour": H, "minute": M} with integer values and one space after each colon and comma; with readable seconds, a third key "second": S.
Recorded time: {"hour": 9, "minute": 23}
